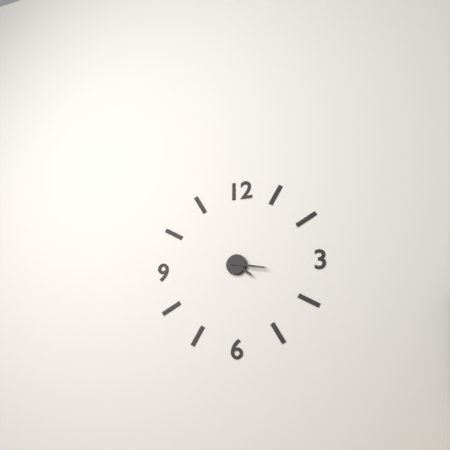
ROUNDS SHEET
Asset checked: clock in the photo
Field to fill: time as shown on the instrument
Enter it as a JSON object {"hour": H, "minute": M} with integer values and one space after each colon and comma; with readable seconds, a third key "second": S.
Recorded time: {"hour": 4, "minute": 17}
